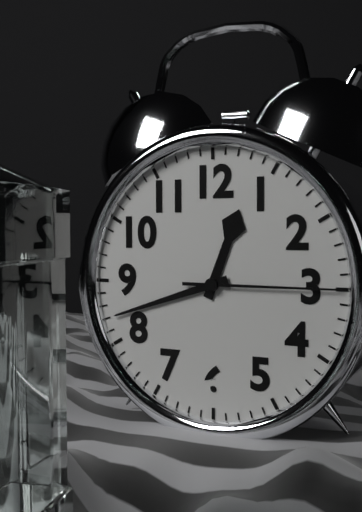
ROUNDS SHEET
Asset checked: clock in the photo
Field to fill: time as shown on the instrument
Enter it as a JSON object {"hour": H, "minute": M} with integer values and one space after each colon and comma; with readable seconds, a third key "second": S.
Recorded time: {"hour": 12, "minute": 42, "second": 15}
